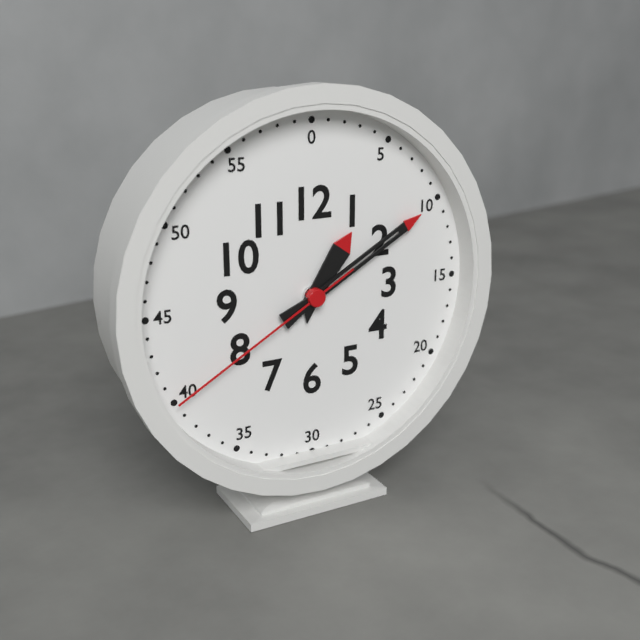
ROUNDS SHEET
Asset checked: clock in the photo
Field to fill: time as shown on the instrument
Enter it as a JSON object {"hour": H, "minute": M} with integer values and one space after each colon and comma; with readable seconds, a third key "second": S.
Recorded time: {"hour": 1, "minute": 10, "second": 40}
